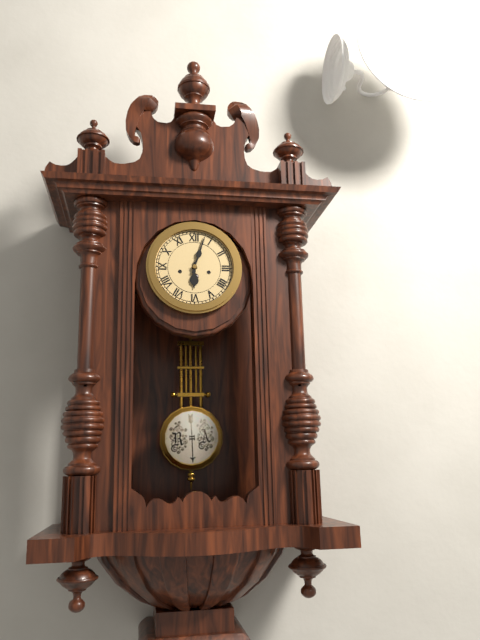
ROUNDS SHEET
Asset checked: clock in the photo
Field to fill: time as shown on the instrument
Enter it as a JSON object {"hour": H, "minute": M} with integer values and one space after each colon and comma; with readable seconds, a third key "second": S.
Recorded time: {"hour": 6, "minute": 3}
